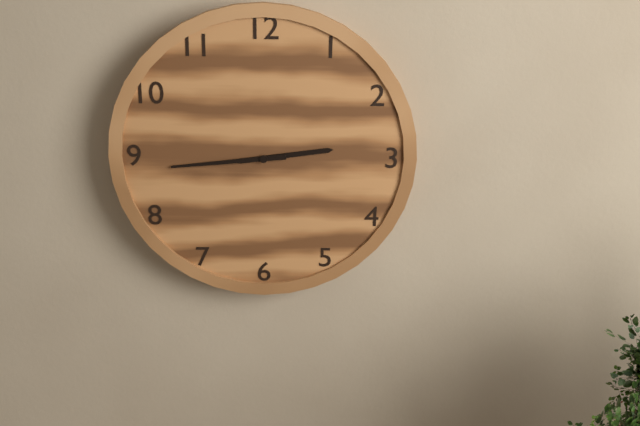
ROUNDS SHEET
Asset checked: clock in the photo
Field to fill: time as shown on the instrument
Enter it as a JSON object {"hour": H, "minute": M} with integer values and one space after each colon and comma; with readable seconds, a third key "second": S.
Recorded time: {"hour": 2, "minute": 44}
